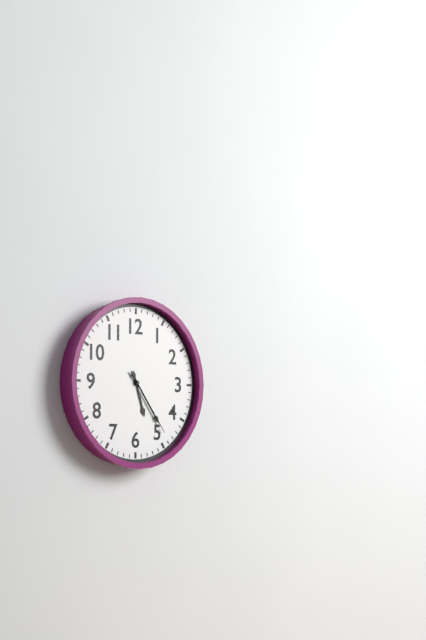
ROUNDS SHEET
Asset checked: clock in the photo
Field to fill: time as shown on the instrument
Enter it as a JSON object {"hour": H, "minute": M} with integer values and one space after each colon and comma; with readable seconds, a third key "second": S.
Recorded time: {"hour": 5, "minute": 24, "second": 24}
